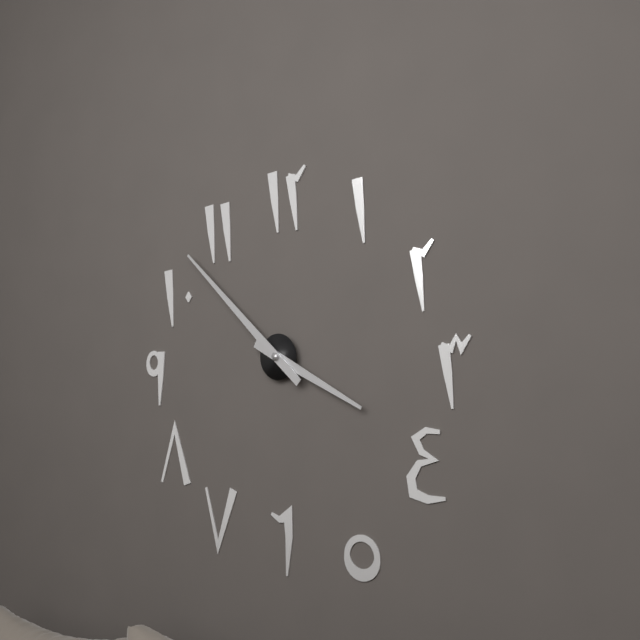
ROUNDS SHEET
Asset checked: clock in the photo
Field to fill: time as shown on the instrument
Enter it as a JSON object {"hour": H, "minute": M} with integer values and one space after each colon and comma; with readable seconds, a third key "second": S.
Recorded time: {"hour": 3, "minute": 52}
